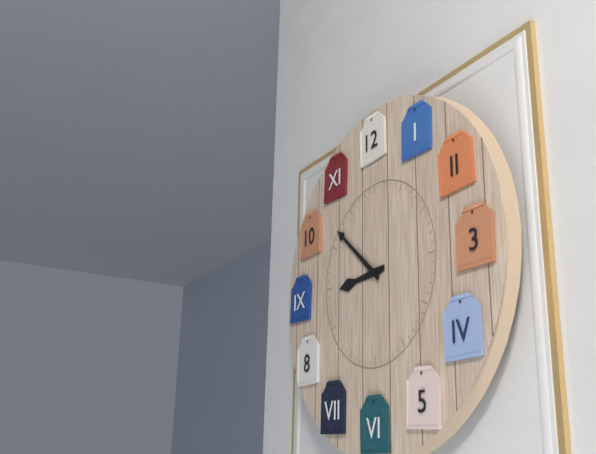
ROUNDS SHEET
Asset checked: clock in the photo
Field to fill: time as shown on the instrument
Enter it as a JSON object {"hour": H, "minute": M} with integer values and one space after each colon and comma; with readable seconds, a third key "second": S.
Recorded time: {"hour": 8, "minute": 52}
